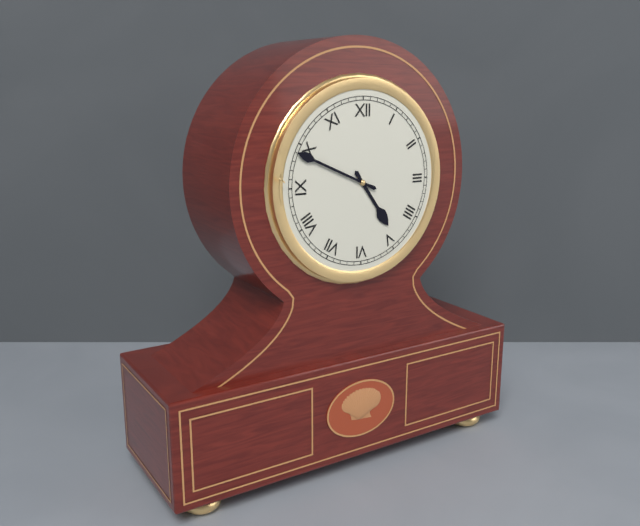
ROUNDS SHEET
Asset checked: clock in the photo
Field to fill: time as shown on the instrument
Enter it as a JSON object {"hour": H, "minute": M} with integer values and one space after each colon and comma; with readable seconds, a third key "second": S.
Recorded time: {"hour": 4, "minute": 49}
